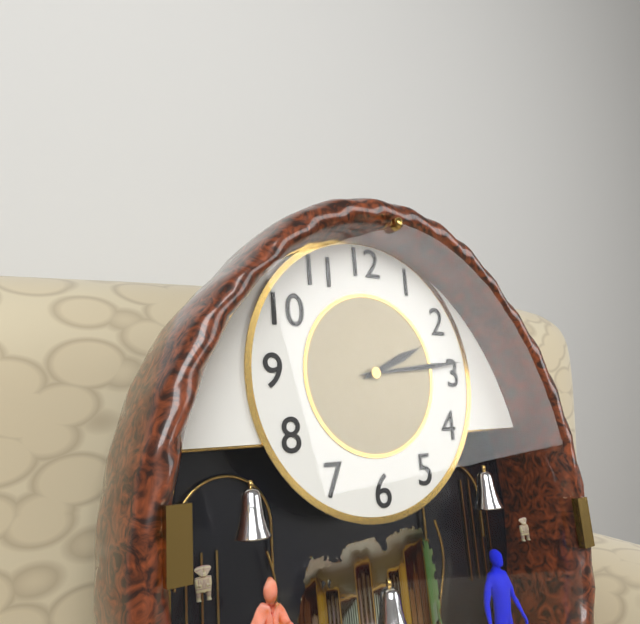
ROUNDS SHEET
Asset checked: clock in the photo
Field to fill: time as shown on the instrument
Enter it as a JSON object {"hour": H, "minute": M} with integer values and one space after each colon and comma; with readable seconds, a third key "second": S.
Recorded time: {"hour": 2, "minute": 14}
